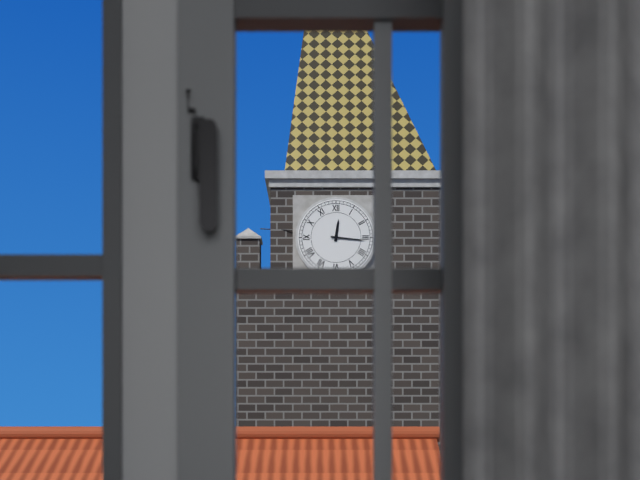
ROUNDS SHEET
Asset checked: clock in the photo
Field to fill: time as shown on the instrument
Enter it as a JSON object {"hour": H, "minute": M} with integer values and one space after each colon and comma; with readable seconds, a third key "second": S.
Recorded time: {"hour": 12, "minute": 16}
